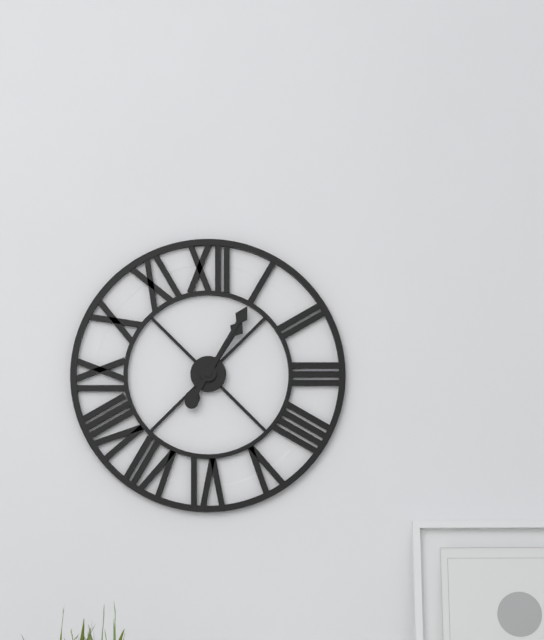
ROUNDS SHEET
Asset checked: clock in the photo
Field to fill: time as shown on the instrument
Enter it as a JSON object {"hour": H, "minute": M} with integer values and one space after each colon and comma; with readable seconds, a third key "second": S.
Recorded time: {"hour": 1, "minute": 5}
